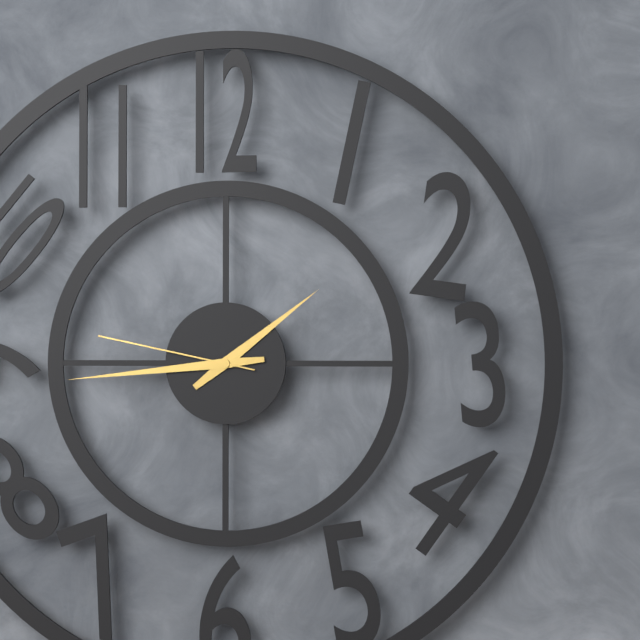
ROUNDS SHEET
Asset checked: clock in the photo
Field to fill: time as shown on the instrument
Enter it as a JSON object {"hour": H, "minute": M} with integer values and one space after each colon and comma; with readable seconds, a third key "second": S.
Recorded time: {"hour": 1, "minute": 44, "second": 47}
